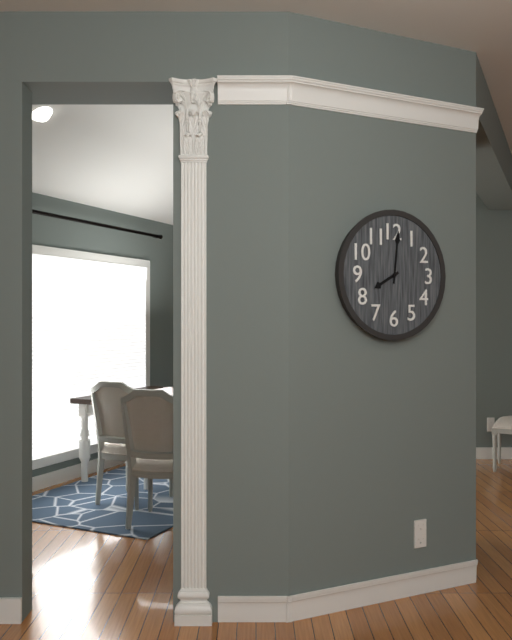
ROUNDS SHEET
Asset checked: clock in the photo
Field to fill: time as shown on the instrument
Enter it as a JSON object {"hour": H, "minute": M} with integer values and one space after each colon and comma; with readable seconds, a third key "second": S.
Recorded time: {"hour": 8, "minute": 1}
